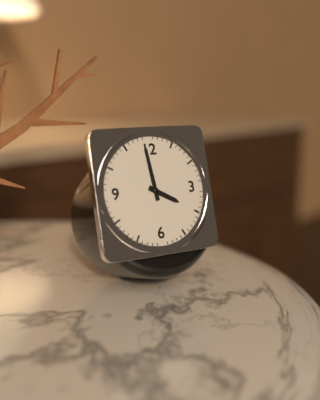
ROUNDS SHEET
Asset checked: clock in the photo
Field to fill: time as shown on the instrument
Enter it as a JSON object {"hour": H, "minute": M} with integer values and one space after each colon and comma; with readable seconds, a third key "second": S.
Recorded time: {"hour": 3, "minute": 59}
